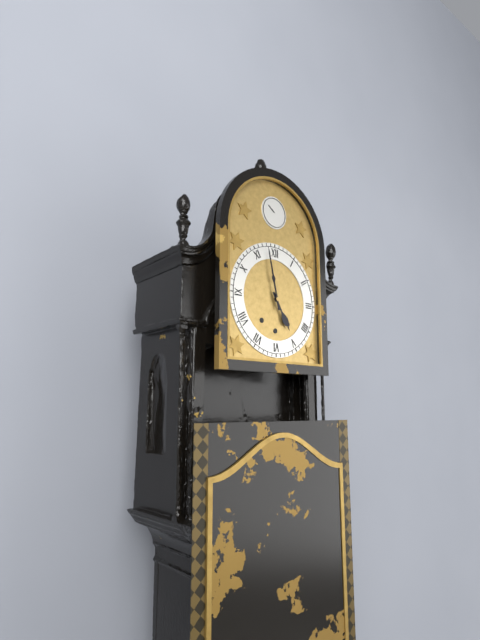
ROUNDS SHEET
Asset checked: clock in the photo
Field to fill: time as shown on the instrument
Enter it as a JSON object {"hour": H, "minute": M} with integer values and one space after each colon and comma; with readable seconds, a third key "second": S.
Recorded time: {"hour": 4, "minute": 58}
